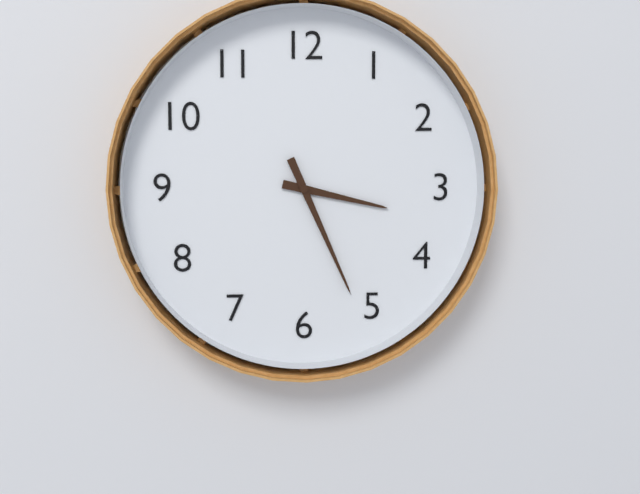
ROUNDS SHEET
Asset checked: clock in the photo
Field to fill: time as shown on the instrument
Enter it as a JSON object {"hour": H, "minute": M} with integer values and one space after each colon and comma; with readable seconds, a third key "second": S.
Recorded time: {"hour": 3, "minute": 26}
